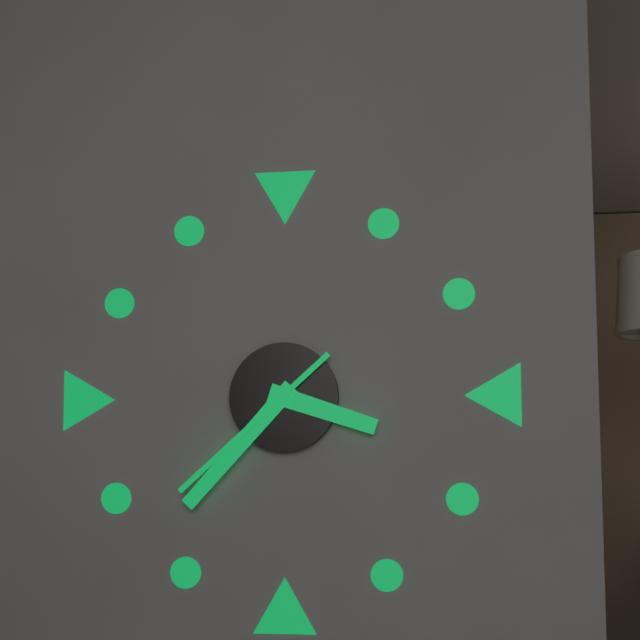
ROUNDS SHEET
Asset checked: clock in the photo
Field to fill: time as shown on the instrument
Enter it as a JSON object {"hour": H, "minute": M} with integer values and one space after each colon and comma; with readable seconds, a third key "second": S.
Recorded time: {"hour": 3, "minute": 37, "second": 38}
